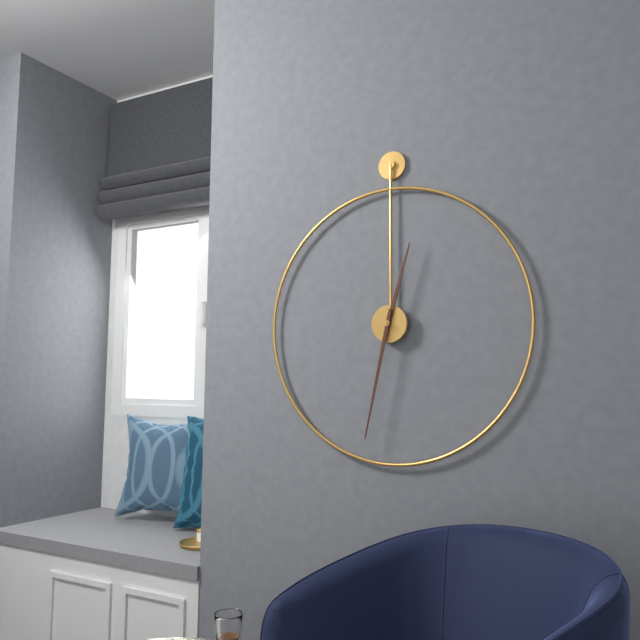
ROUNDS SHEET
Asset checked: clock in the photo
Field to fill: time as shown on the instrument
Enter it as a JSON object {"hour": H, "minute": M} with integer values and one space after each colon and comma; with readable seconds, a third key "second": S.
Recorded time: {"hour": 12, "minute": 32}
